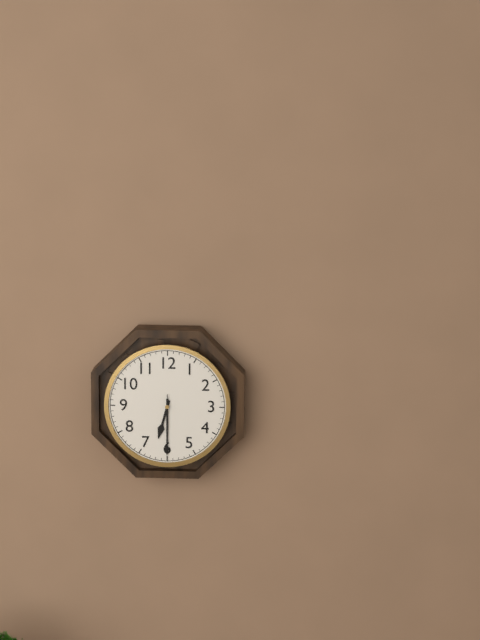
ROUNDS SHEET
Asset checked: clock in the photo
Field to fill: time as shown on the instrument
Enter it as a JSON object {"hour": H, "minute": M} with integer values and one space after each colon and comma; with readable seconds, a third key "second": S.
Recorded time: {"hour": 6, "minute": 30, "second": 30}
